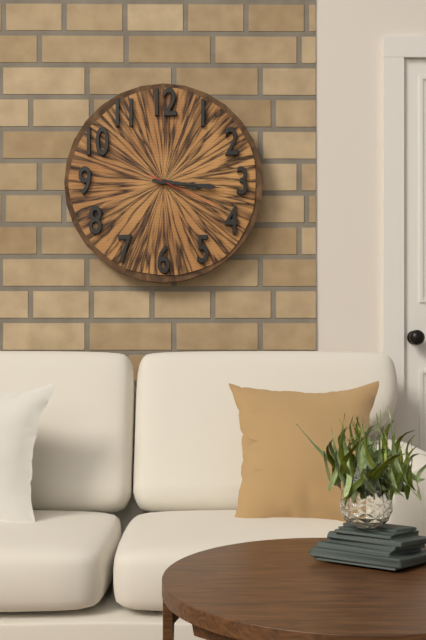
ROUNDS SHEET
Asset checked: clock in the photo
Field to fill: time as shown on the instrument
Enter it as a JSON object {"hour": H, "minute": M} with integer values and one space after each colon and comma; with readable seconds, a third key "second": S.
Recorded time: {"hour": 3, "minute": 16, "second": 19}
